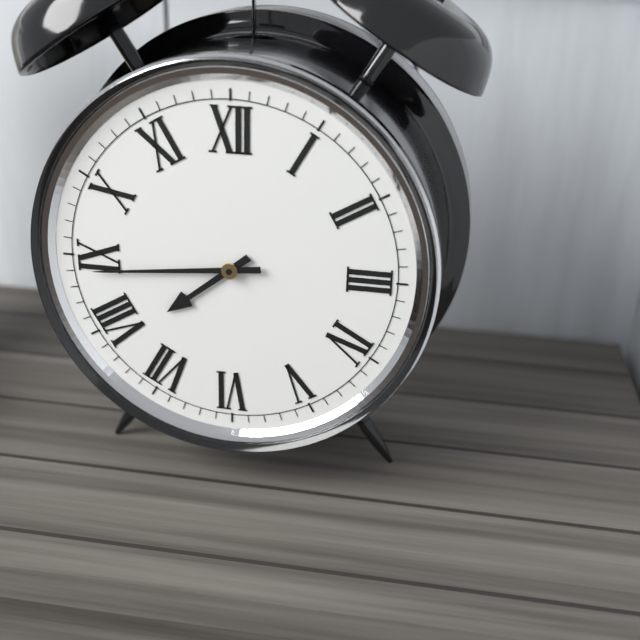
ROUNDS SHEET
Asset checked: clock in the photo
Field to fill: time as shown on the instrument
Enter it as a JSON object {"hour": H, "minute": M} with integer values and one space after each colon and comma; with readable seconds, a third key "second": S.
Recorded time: {"hour": 7, "minute": 44}
